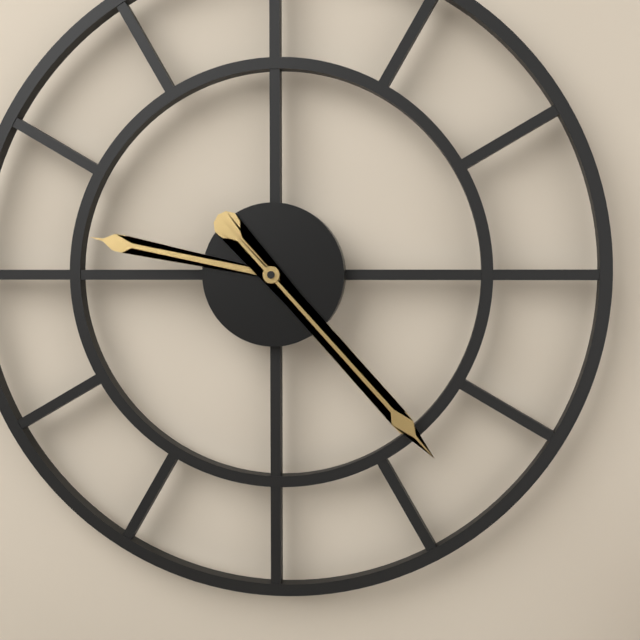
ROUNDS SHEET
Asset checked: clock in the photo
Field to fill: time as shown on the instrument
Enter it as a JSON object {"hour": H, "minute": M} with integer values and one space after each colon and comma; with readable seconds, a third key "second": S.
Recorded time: {"hour": 9, "minute": 23}
